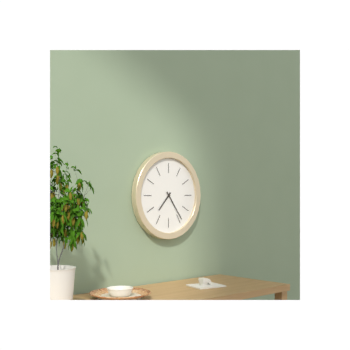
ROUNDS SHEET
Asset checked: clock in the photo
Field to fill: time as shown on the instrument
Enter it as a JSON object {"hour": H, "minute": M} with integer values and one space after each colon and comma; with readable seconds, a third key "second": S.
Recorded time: {"hour": 7, "minute": 24}
